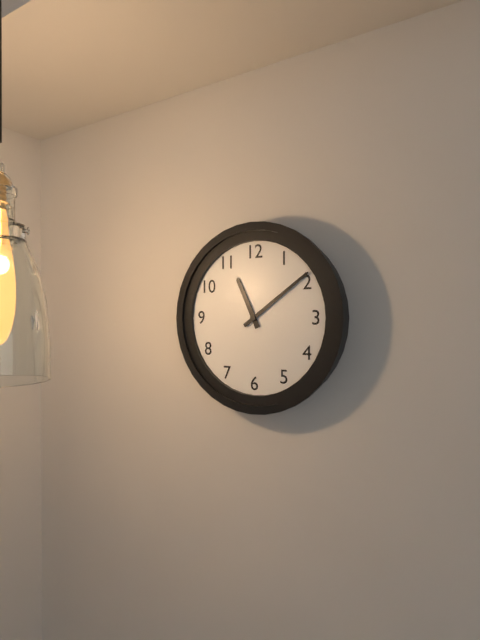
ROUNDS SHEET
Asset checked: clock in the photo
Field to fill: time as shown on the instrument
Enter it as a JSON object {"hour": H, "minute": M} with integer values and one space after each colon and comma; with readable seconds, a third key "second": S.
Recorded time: {"hour": 11, "minute": 9}
